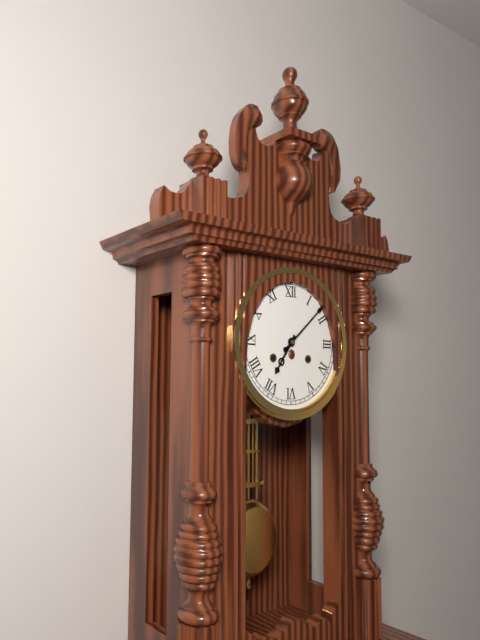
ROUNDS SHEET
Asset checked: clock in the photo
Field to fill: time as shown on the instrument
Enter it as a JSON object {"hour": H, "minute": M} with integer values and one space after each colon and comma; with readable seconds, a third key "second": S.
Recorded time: {"hour": 7, "minute": 8}
